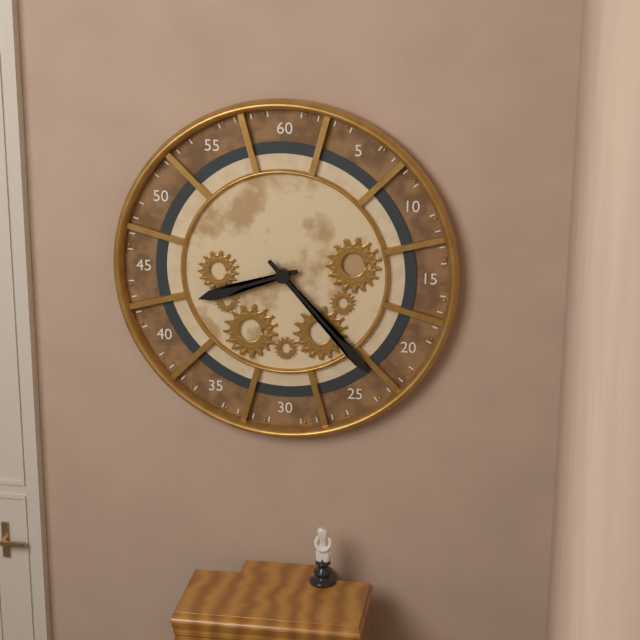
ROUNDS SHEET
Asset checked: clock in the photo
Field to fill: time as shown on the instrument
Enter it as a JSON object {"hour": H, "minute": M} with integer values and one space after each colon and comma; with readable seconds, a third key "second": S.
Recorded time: {"hour": 8, "minute": 23}
